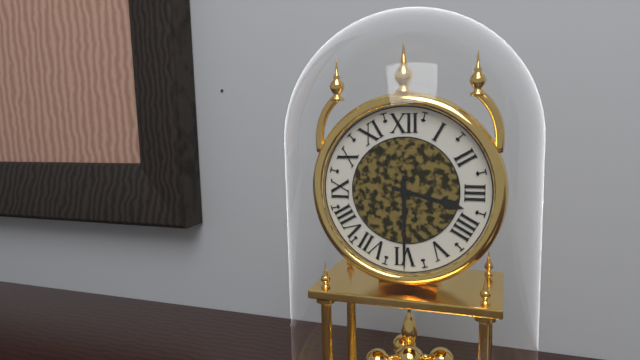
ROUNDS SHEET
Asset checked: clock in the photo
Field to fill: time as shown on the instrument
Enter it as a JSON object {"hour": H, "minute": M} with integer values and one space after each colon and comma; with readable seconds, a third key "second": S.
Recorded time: {"hour": 3, "minute": 30}
